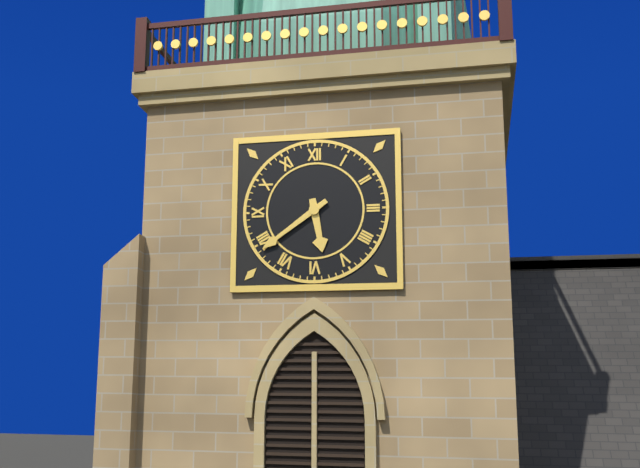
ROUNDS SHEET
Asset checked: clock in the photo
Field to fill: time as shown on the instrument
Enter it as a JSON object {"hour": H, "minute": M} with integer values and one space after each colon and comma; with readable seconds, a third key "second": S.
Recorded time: {"hour": 5, "minute": 39}
